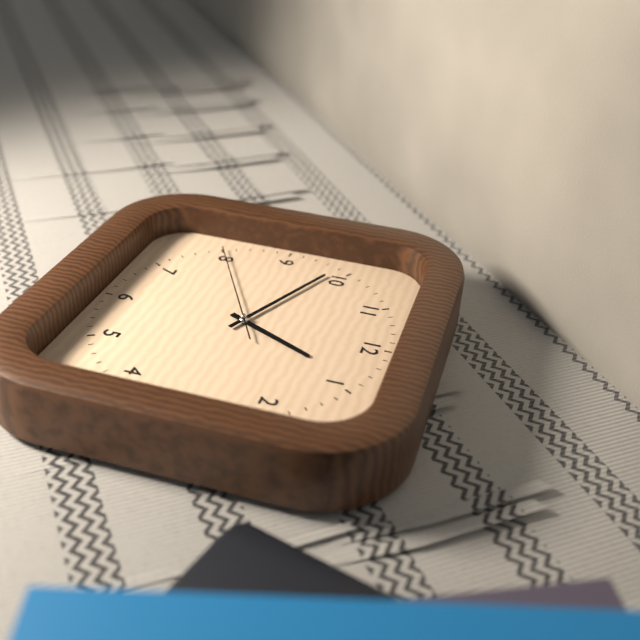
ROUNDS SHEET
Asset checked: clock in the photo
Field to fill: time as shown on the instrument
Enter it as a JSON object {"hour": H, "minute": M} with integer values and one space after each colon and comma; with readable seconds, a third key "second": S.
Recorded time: {"hour": 12, "minute": 49, "second": 40}
